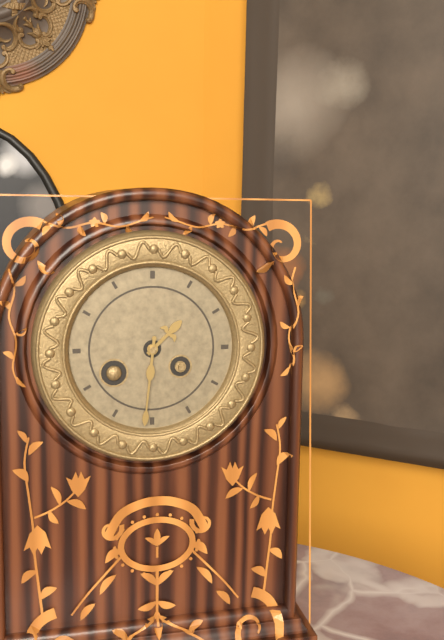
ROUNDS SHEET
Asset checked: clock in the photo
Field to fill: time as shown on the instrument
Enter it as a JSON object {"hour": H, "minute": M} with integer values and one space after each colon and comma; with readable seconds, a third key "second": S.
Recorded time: {"hour": 1, "minute": 31}
